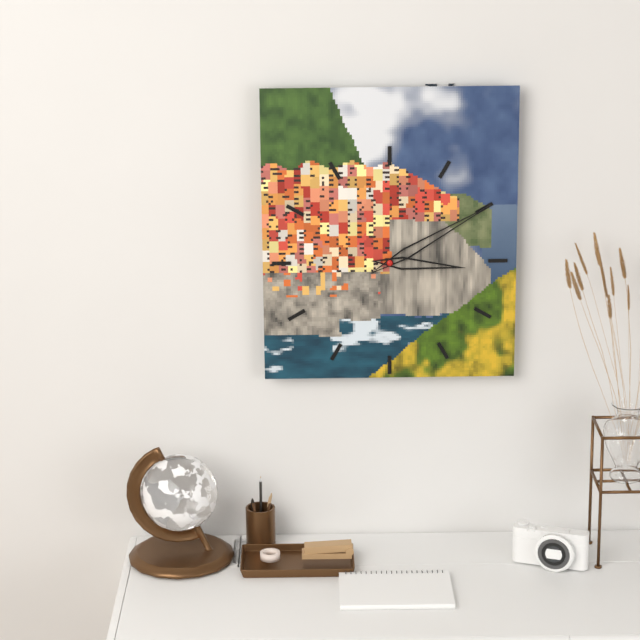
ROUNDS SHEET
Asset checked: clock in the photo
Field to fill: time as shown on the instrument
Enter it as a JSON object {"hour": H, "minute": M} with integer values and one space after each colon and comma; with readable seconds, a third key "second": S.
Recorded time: {"hour": 3, "minute": 10}
